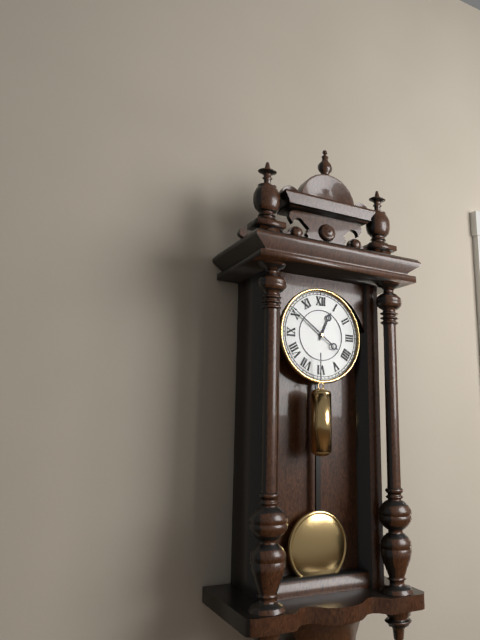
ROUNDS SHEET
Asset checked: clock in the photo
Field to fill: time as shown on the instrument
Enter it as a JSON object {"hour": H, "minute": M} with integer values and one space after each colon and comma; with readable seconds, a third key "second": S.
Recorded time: {"hour": 12, "minute": 51}
